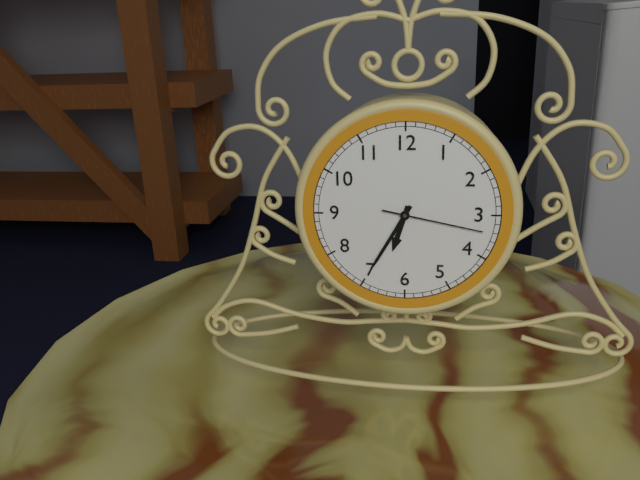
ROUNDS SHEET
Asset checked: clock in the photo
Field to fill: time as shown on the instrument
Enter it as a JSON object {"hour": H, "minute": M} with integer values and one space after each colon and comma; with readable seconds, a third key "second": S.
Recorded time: {"hour": 6, "minute": 35, "second": 17}
